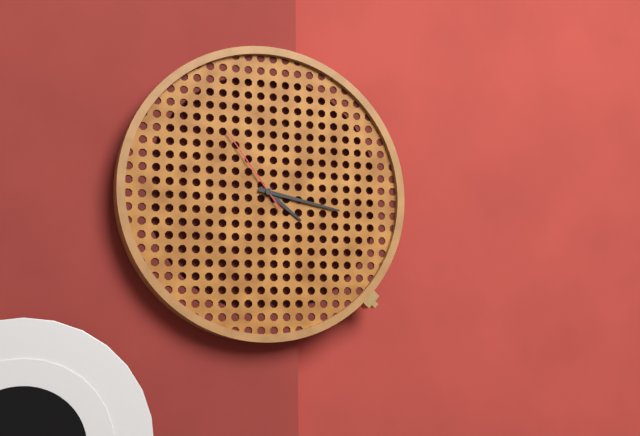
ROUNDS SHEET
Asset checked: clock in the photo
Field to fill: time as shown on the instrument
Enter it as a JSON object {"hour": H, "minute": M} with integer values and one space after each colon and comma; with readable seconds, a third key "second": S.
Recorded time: {"hour": 4, "minute": 17, "second": 54}
